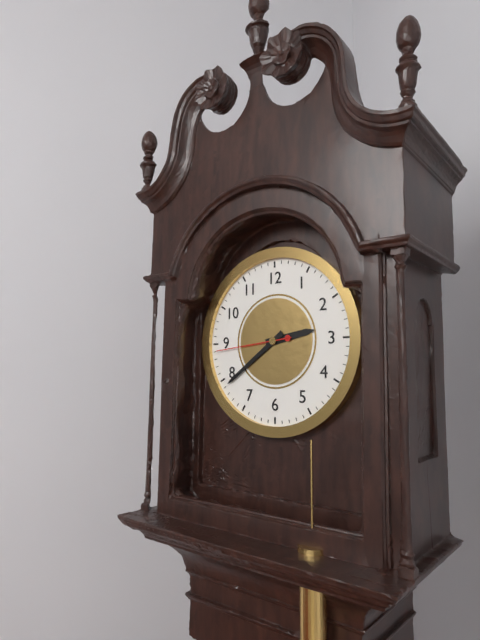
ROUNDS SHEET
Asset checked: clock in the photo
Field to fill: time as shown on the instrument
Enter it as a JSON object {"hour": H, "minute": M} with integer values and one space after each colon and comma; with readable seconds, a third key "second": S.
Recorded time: {"hour": 2, "minute": 39, "second": 44}
